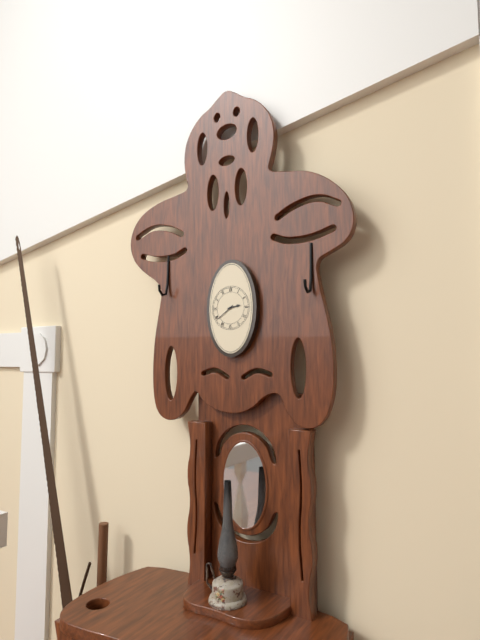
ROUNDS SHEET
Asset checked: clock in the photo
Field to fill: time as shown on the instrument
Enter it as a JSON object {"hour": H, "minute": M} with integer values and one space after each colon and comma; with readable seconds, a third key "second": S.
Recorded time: {"hour": 2, "minute": 39}
